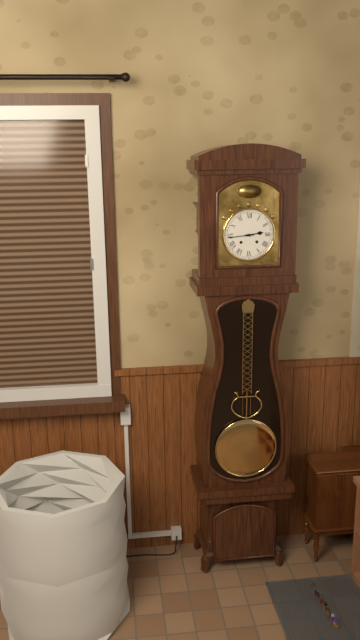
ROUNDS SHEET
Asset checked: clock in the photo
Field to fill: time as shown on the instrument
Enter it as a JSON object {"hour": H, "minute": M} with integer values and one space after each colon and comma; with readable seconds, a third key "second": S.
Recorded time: {"hour": 2, "minute": 44}
